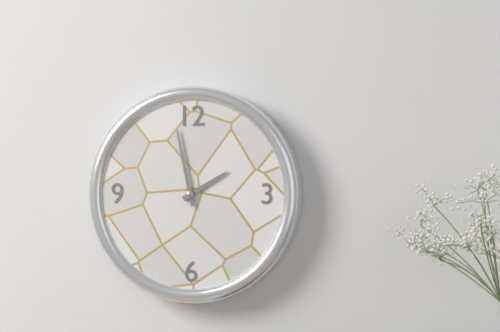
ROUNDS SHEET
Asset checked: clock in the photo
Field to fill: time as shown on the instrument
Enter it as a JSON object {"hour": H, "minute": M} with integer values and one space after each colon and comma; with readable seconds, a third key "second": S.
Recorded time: {"hour": 1, "minute": 58}
